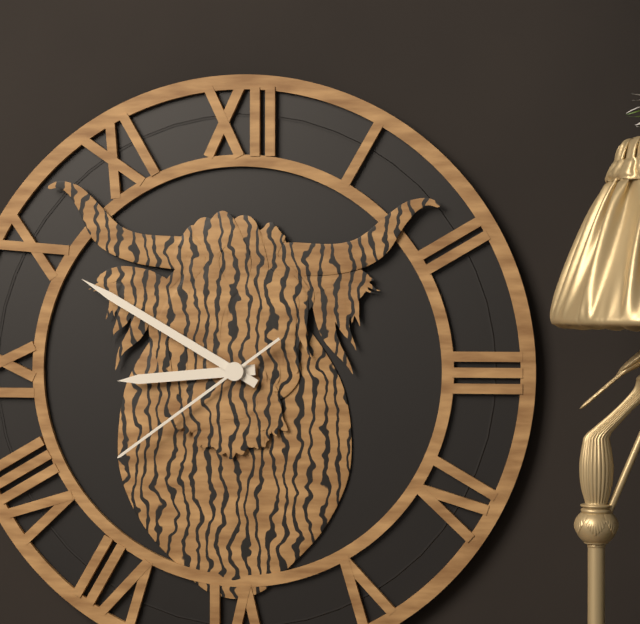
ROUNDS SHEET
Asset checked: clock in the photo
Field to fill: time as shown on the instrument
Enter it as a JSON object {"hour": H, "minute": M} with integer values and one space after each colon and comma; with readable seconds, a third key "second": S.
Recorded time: {"hour": 8, "minute": 50, "second": 39}
